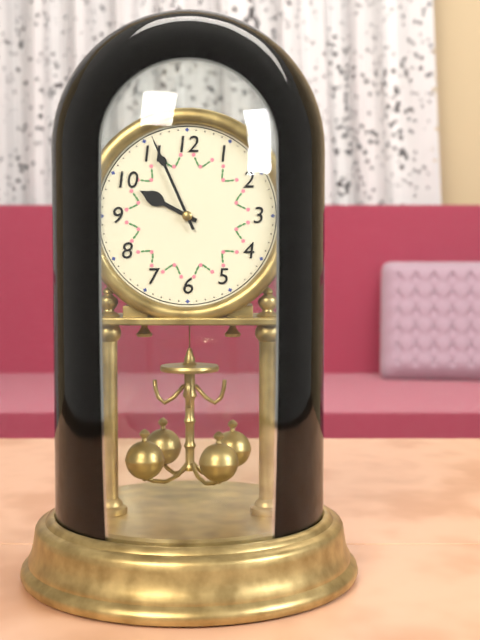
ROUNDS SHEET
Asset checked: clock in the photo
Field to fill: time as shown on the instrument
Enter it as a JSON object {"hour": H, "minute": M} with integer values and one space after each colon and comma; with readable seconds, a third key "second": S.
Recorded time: {"hour": 9, "minute": 56}
